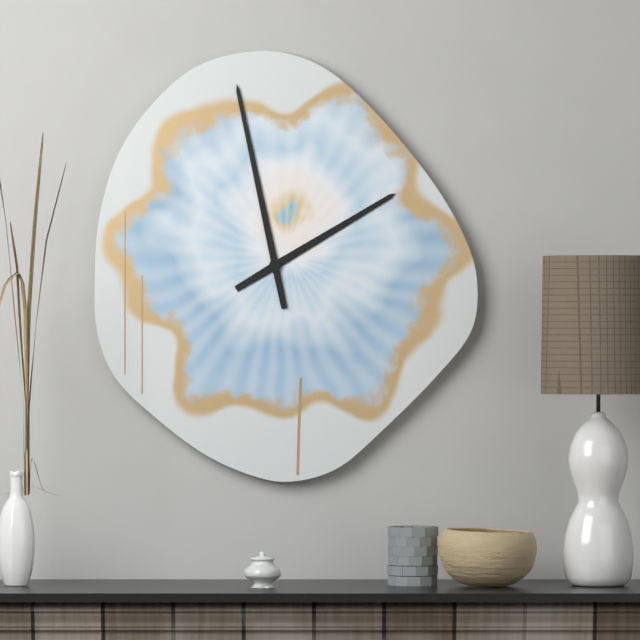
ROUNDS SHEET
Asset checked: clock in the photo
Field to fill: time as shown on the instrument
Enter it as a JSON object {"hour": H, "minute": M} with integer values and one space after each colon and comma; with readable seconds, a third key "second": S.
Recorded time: {"hour": 1, "minute": 58}
